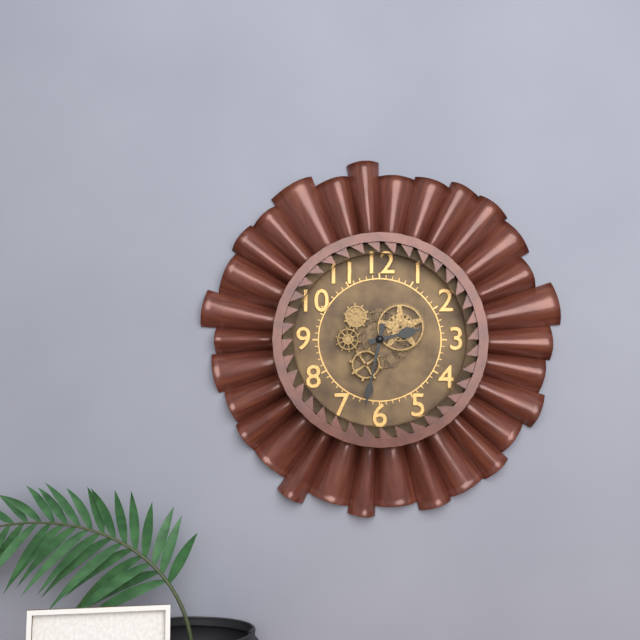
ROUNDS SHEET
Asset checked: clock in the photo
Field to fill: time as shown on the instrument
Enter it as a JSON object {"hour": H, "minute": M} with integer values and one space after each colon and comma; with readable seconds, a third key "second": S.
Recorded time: {"hour": 2, "minute": 32}
